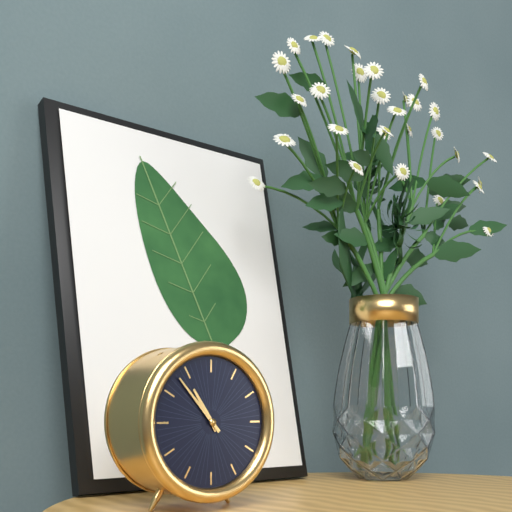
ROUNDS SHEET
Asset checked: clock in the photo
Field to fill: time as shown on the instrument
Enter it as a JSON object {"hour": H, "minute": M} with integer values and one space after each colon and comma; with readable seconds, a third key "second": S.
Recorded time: {"hour": 10, "minute": 53}
